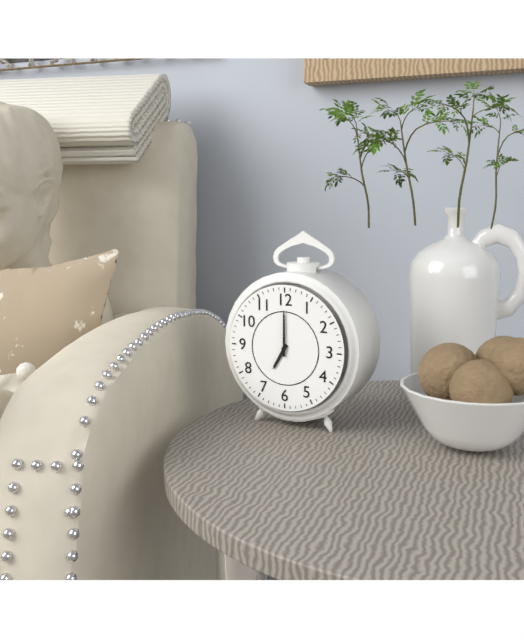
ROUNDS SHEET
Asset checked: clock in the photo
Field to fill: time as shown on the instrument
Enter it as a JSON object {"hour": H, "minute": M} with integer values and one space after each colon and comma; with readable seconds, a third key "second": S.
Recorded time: {"hour": 7, "minute": 0}
